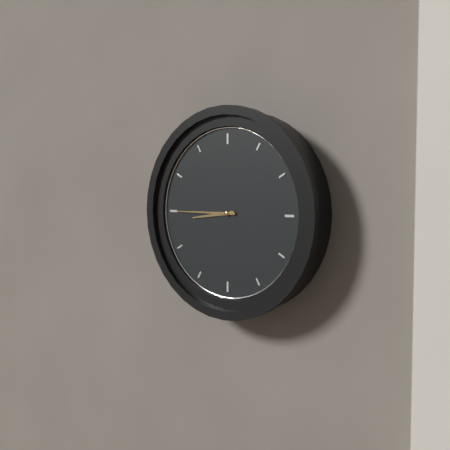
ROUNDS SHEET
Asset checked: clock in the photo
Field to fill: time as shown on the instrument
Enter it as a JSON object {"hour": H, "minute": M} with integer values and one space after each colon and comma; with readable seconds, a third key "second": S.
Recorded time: {"hour": 8, "minute": 45}
